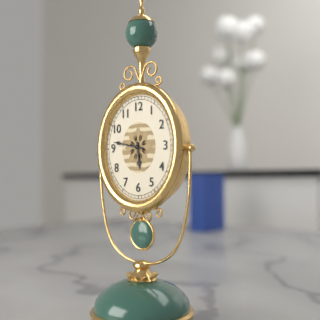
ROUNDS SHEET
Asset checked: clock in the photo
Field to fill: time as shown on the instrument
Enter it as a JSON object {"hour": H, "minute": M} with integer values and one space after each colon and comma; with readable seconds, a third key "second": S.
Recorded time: {"hour": 5, "minute": 47}
